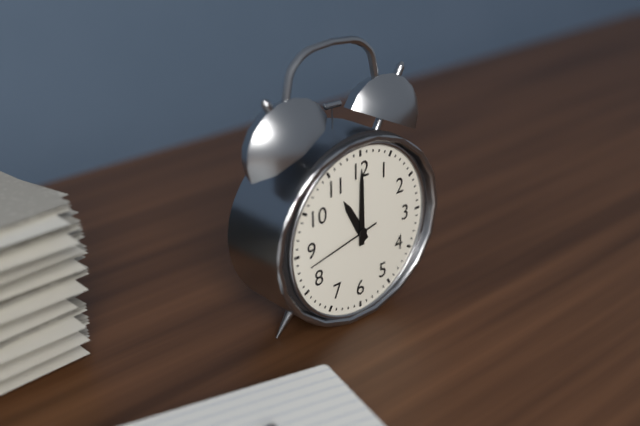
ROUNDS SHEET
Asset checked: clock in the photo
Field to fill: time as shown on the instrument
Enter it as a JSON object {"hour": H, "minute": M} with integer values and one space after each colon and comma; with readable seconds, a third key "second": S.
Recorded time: {"hour": 11, "minute": 0, "second": 43}
